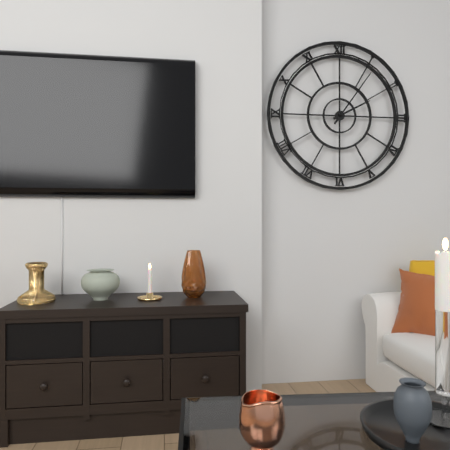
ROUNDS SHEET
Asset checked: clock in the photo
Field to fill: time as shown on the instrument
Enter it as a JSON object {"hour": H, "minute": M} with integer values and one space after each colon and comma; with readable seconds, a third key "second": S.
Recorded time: {"hour": 2, "minute": 6}
